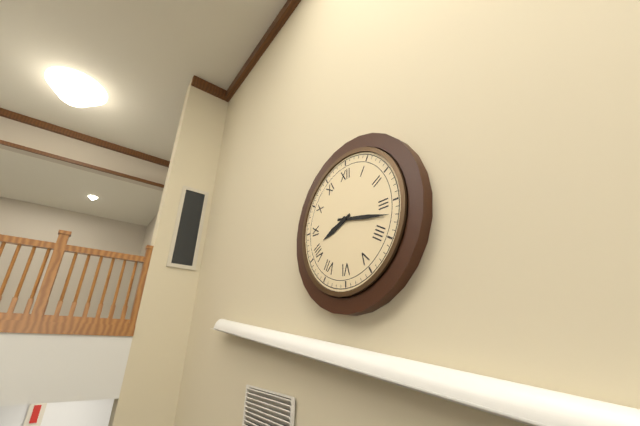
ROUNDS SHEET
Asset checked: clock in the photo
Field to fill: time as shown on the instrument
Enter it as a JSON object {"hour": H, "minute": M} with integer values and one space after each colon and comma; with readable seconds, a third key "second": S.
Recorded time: {"hour": 8, "minute": 17}
